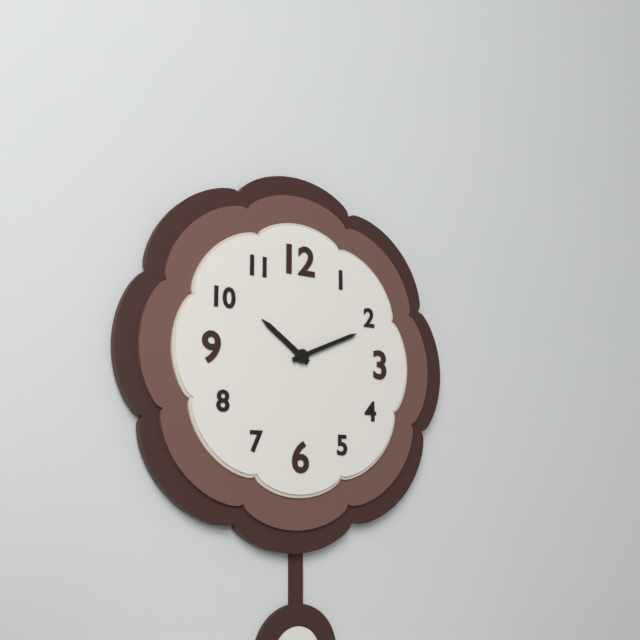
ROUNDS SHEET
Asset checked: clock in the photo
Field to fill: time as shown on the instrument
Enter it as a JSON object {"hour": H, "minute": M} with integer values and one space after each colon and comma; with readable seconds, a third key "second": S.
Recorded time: {"hour": 10, "minute": 11}
